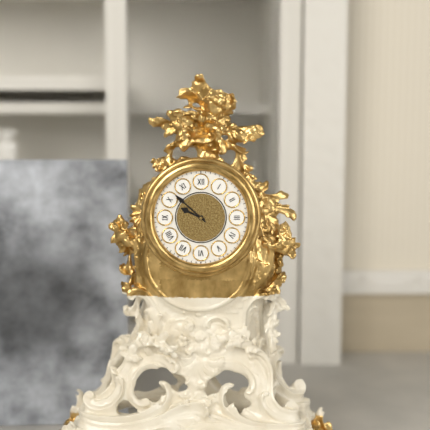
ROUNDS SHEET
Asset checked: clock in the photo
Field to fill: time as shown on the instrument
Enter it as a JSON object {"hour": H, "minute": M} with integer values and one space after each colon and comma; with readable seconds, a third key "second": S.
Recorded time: {"hour": 9, "minute": 52}
